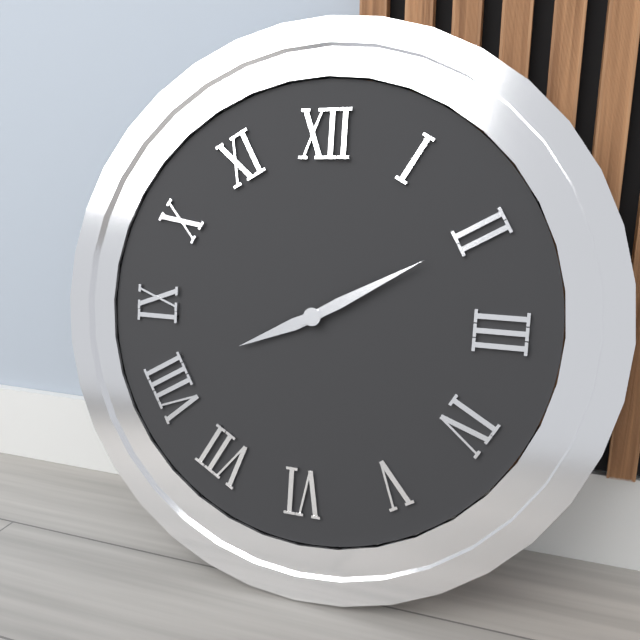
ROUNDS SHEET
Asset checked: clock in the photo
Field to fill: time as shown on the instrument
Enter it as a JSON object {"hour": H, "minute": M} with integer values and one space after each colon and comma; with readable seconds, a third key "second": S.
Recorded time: {"hour": 8, "minute": 10}
